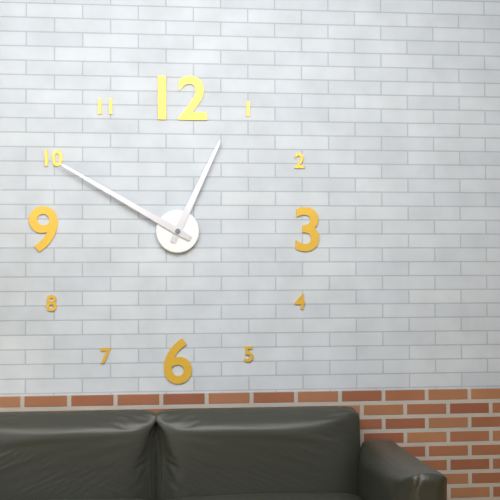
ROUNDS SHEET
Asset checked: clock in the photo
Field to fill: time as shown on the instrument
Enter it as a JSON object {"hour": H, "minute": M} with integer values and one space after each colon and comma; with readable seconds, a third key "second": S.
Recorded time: {"hour": 12, "minute": 50}
